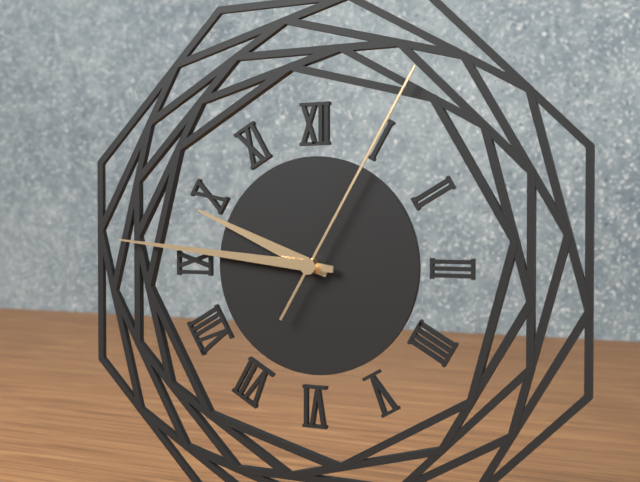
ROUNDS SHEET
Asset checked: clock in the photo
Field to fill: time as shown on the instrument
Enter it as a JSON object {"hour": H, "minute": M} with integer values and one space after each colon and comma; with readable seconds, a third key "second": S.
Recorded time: {"hour": 9, "minute": 46, "second": 5}
